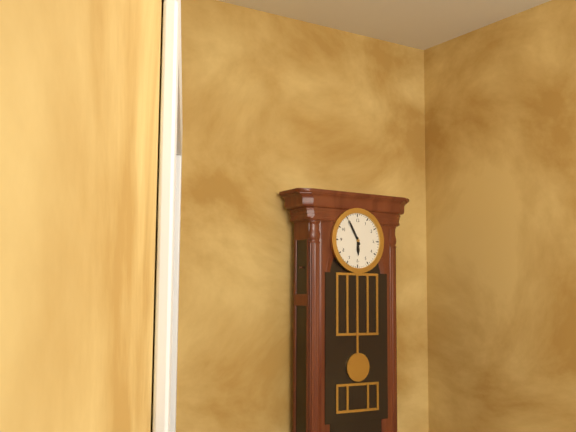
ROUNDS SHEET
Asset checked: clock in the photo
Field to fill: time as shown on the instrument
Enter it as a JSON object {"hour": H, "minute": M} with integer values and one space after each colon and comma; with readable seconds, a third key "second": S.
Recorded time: {"hour": 5, "minute": 55}
